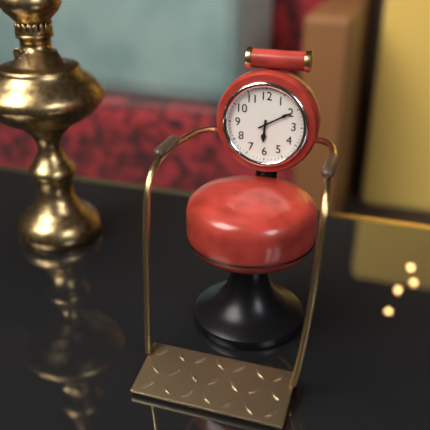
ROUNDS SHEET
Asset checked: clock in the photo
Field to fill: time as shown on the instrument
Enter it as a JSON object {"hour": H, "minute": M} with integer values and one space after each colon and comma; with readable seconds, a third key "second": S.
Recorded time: {"hour": 6, "minute": 10}
